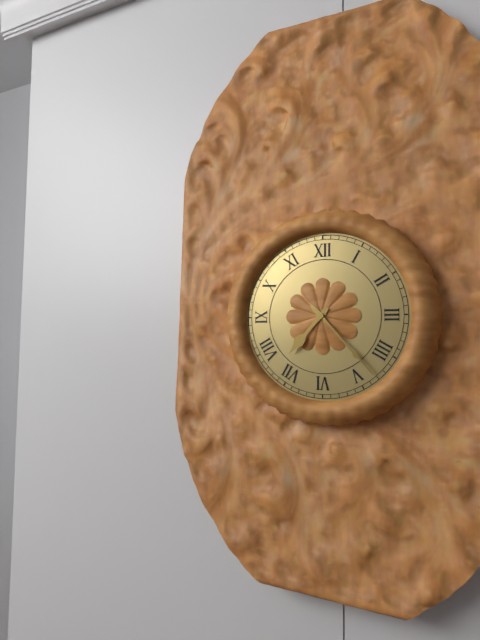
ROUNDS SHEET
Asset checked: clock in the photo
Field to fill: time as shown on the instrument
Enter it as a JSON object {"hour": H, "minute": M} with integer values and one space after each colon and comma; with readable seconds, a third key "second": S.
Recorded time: {"hour": 7, "minute": 23}
